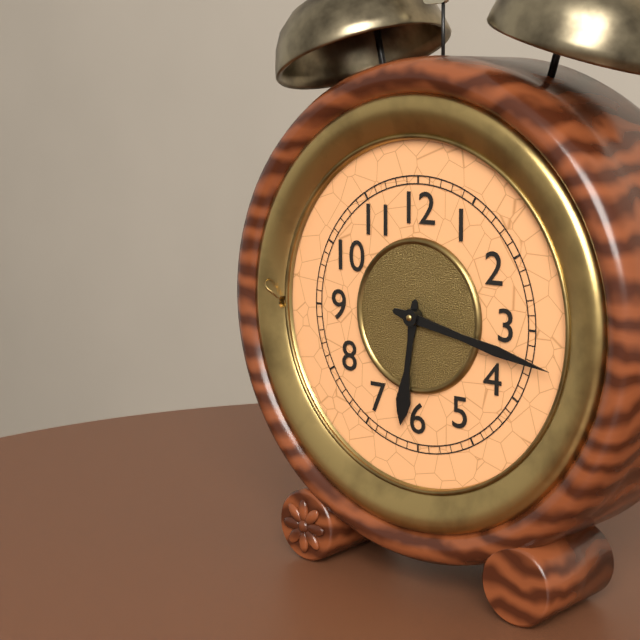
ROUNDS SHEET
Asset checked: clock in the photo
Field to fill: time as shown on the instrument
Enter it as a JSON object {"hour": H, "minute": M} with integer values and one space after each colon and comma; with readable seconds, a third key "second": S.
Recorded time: {"hour": 6, "minute": 17}
